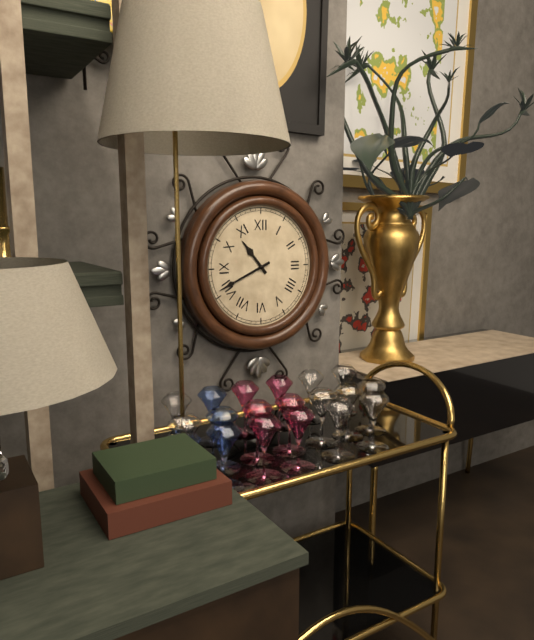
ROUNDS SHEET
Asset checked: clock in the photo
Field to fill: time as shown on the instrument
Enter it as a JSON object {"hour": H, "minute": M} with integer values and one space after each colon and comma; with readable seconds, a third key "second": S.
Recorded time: {"hour": 10, "minute": 41}
